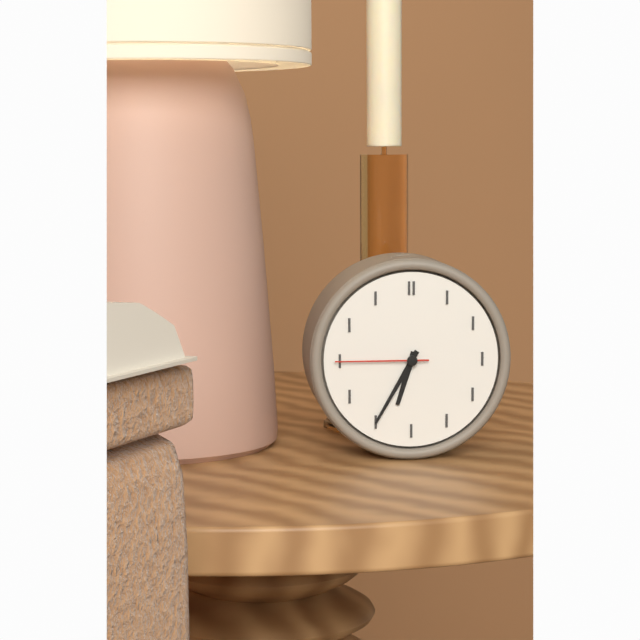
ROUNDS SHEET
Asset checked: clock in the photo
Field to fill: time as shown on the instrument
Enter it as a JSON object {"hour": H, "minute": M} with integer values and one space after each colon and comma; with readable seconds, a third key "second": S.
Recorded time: {"hour": 6, "minute": 35, "second": 45}
